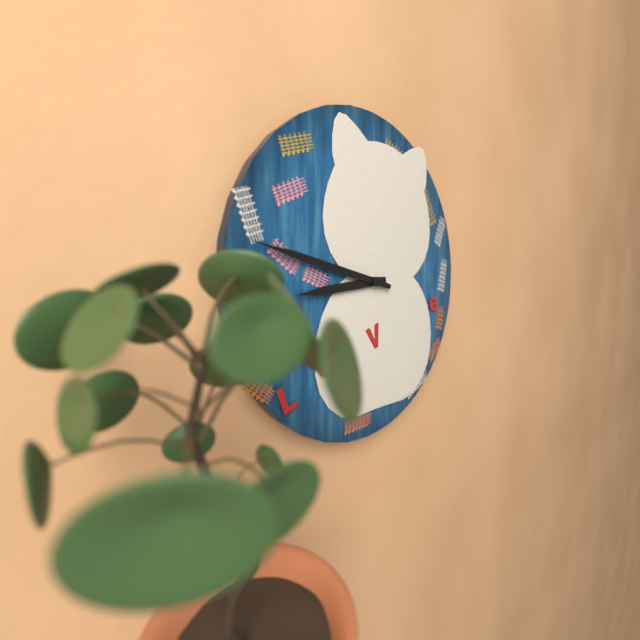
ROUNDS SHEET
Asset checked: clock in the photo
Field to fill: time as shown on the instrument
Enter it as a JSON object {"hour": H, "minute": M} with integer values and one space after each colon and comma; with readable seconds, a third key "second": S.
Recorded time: {"hour": 8, "minute": 47}
